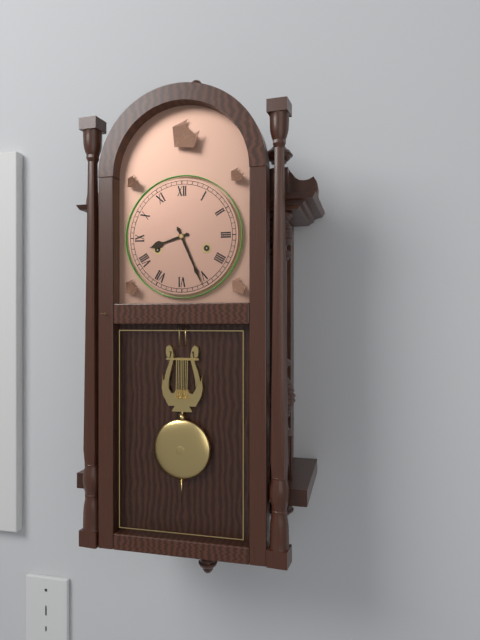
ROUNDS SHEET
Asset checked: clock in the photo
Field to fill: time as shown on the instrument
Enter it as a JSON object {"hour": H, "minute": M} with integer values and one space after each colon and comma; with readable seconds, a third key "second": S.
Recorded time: {"hour": 8, "minute": 26}
